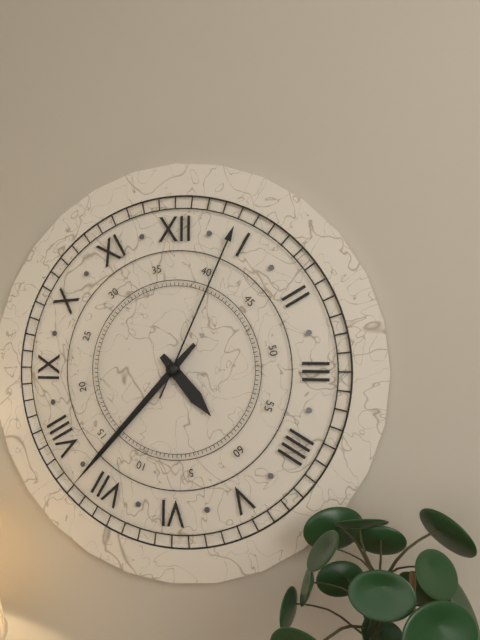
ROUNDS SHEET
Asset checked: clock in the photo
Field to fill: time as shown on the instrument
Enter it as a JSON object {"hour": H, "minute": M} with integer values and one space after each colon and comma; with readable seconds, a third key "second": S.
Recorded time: {"hour": 4, "minute": 37, "second": 4}
